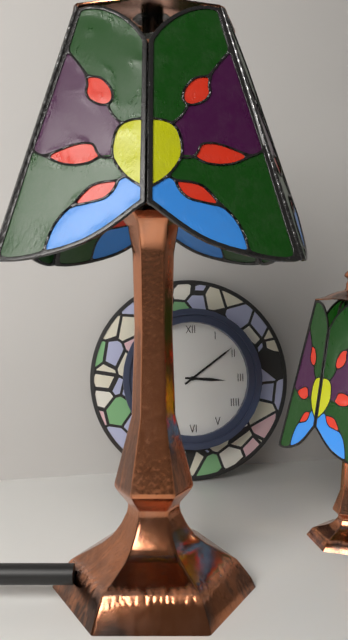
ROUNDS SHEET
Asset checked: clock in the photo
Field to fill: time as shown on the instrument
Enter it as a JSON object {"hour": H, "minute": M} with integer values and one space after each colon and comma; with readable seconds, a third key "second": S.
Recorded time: {"hour": 3, "minute": 9}
